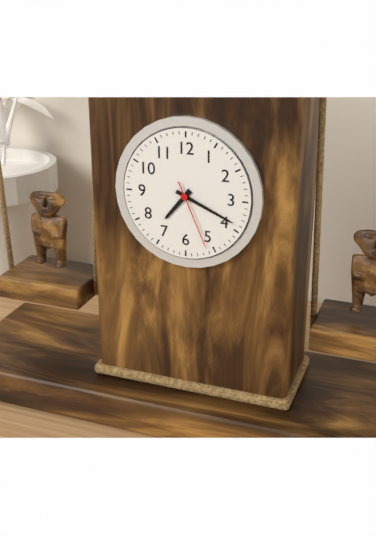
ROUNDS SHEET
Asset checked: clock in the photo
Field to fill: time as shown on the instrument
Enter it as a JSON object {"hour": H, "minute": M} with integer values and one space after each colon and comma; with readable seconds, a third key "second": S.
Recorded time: {"hour": 7, "minute": 19, "second": 26}
